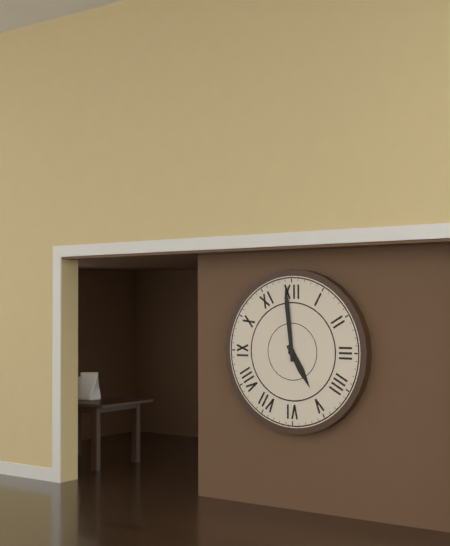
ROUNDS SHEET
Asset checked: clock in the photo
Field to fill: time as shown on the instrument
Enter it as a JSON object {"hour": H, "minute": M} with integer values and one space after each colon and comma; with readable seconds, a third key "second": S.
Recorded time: {"hour": 4, "minute": 59}
